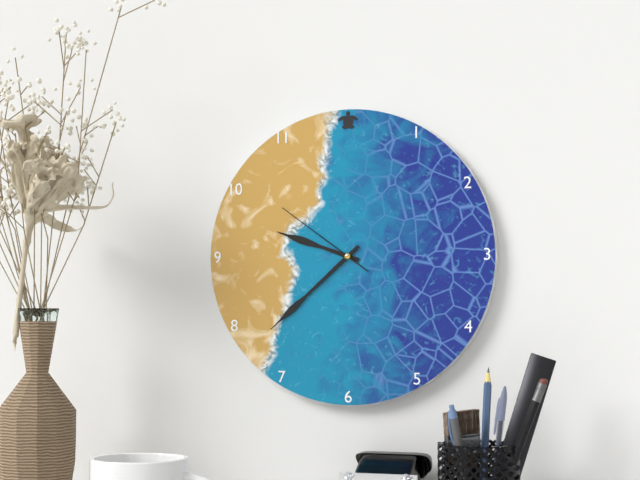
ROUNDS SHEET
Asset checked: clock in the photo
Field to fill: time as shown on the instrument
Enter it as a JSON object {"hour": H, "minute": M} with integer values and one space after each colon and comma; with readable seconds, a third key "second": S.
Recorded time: {"hour": 9, "minute": 38, "second": 51}
